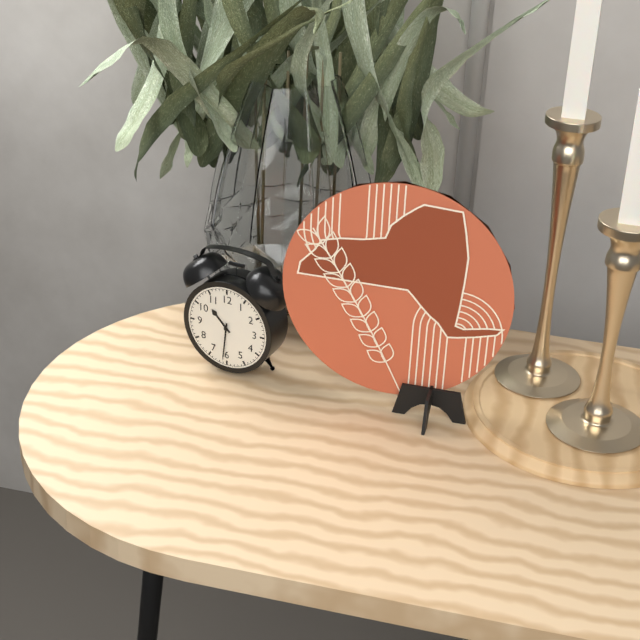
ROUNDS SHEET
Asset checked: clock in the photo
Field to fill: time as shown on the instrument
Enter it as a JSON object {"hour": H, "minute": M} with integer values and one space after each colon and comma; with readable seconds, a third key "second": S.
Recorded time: {"hour": 10, "minute": 31}
